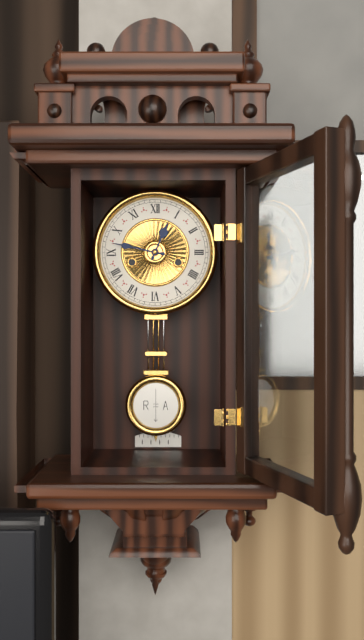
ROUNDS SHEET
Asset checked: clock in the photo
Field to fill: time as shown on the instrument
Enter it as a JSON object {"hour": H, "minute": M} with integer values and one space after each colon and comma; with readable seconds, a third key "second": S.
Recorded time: {"hour": 12, "minute": 47}
